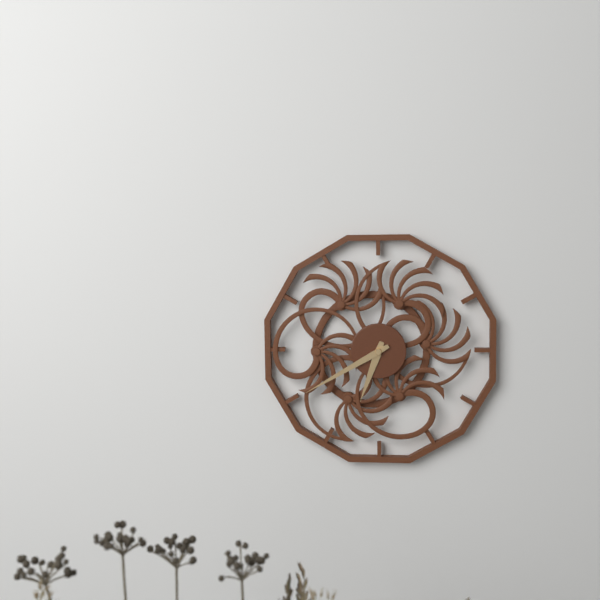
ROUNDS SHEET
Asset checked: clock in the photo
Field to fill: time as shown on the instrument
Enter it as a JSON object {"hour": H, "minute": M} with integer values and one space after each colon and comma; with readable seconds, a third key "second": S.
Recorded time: {"hour": 6, "minute": 40}
